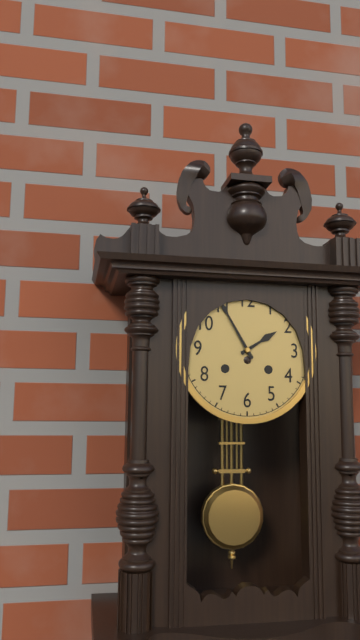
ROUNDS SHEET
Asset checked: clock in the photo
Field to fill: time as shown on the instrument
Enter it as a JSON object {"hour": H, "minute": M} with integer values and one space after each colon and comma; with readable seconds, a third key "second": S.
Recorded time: {"hour": 1, "minute": 55}
